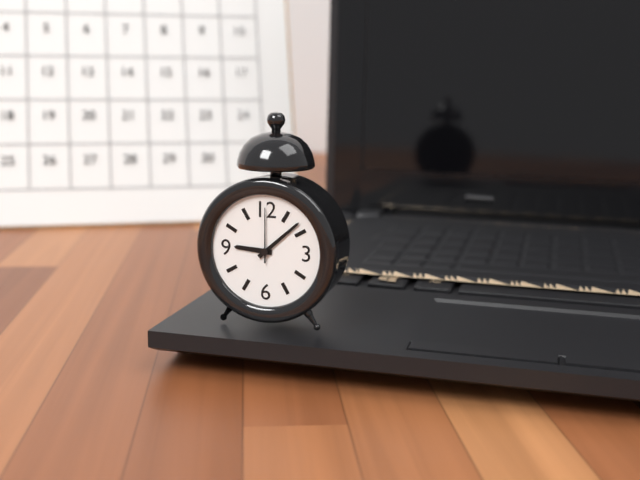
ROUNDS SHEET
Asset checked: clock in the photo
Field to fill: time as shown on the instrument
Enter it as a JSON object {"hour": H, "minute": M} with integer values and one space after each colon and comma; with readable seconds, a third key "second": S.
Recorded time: {"hour": 9, "minute": 8, "second": 0}
